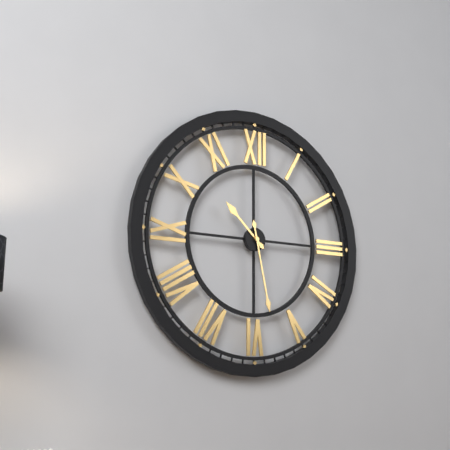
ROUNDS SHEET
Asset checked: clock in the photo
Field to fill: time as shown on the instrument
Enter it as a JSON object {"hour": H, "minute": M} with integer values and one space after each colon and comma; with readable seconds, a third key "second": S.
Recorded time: {"hour": 10, "minute": 28}
